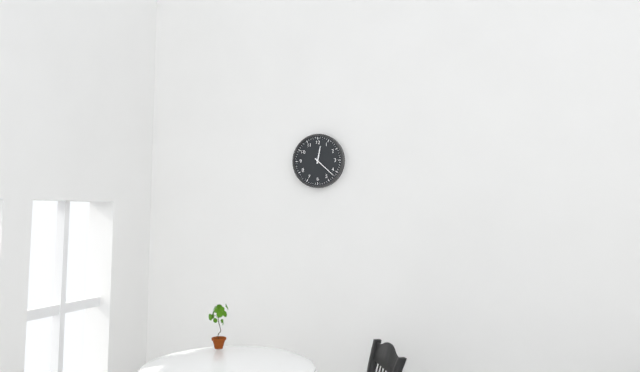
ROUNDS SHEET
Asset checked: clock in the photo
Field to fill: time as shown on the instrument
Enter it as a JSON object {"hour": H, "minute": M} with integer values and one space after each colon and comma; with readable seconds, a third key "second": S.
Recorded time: {"hour": 12, "minute": 22}
